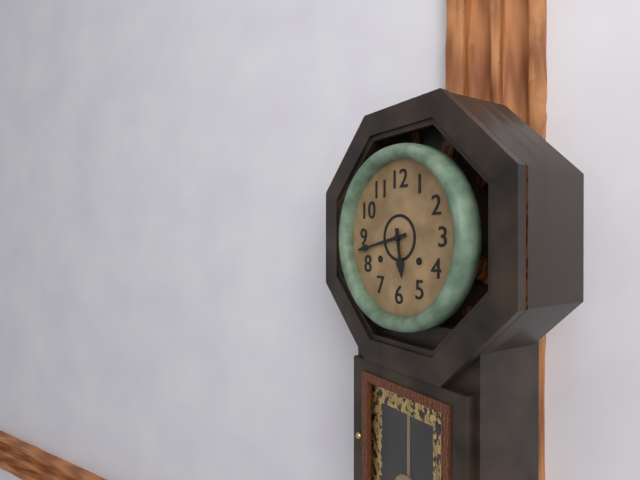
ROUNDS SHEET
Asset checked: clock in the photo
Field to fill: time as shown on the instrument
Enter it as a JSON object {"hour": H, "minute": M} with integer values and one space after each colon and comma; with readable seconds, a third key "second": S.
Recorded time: {"hour": 5, "minute": 43}
